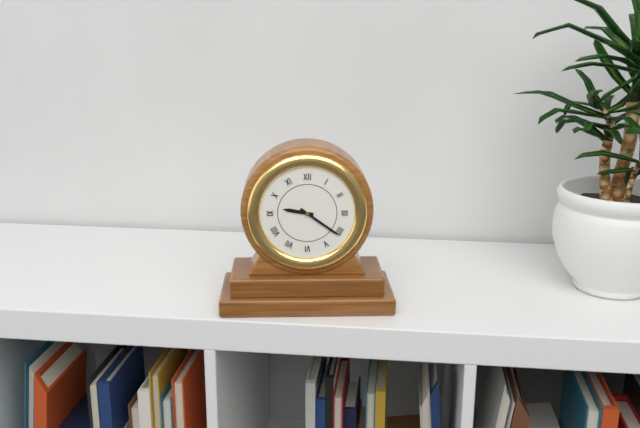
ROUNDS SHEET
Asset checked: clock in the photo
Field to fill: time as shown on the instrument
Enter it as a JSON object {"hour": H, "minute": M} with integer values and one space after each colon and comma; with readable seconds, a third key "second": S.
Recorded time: {"hour": 9, "minute": 21}
